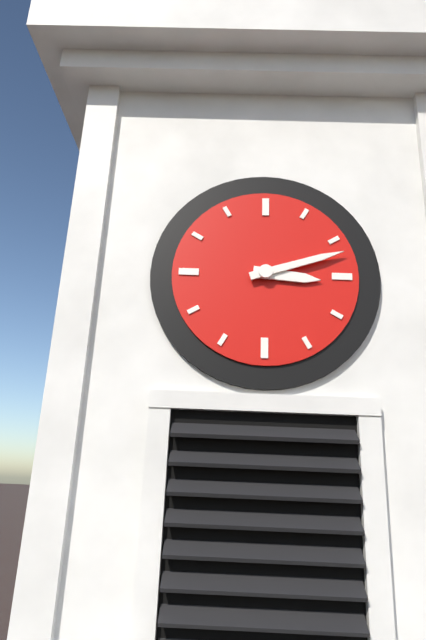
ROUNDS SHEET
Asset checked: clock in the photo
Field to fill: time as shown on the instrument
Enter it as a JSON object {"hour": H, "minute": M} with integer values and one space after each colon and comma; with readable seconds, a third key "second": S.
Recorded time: {"hour": 3, "minute": 12}
